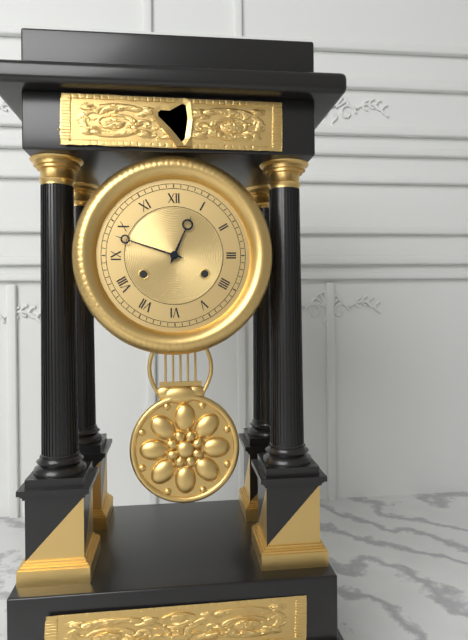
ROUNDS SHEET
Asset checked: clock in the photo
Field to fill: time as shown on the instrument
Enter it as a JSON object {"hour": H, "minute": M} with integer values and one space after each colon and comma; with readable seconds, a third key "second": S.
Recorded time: {"hour": 12, "minute": 48}
